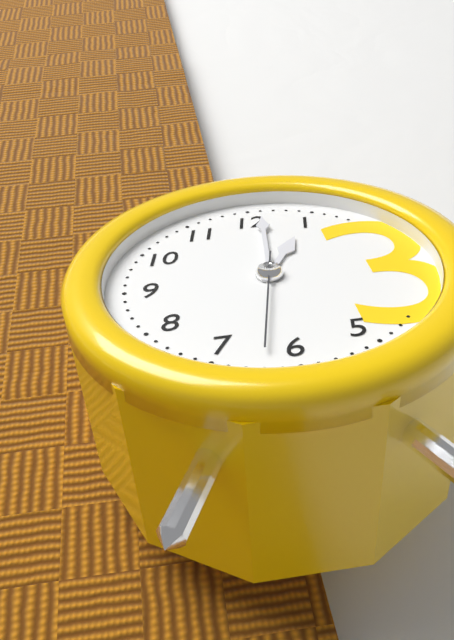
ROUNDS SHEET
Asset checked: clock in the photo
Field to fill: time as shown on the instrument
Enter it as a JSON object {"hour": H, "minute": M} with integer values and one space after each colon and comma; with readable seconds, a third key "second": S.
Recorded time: {"hour": 1, "minute": 1, "second": 32}
